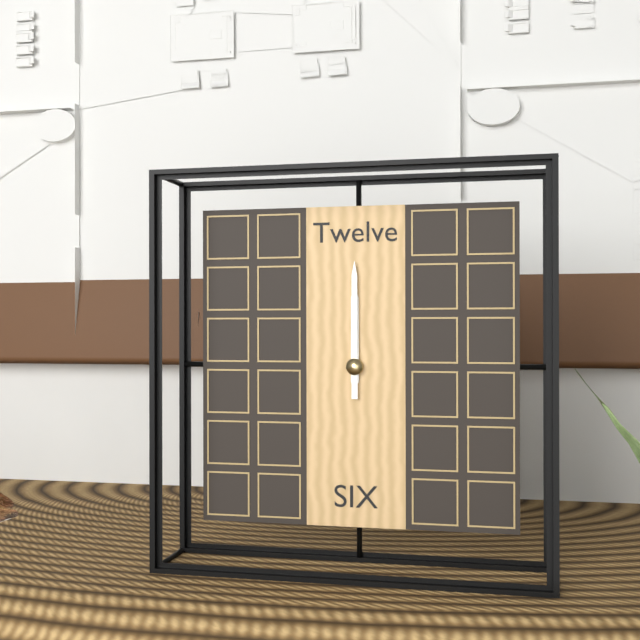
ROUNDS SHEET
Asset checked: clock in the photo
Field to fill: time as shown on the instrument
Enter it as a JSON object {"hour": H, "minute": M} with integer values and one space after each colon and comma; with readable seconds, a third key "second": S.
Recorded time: {"hour": 12, "minute": 0}
